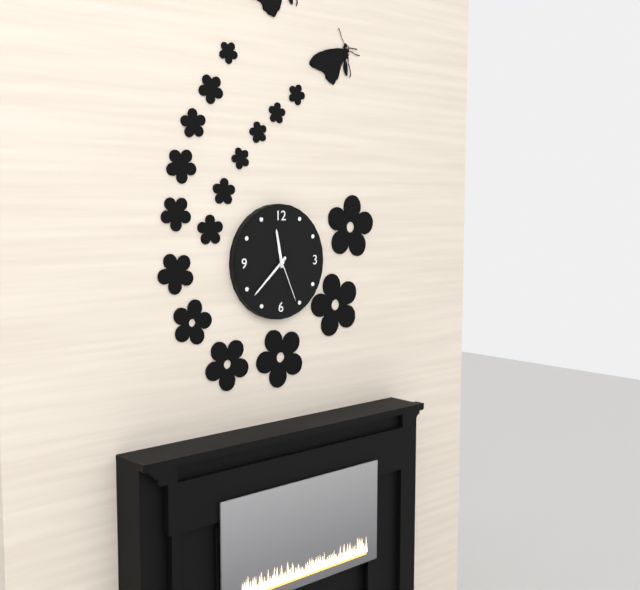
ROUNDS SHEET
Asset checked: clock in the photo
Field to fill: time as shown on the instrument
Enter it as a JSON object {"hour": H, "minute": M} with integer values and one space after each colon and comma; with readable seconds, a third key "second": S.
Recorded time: {"hour": 11, "minute": 38, "second": 26}
